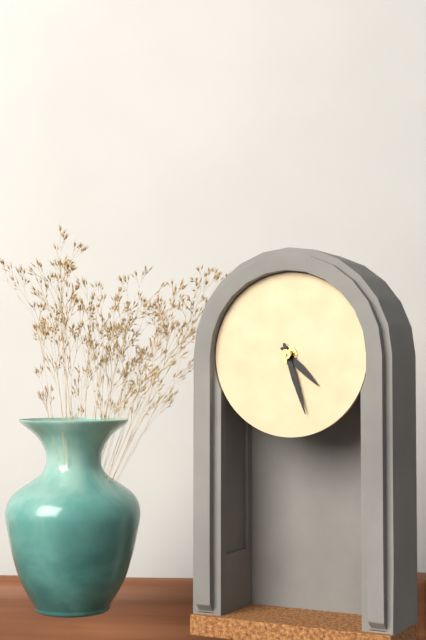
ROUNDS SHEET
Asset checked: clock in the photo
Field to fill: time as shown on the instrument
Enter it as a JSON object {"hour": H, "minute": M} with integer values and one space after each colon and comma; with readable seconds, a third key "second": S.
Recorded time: {"hour": 4, "minute": 27}
